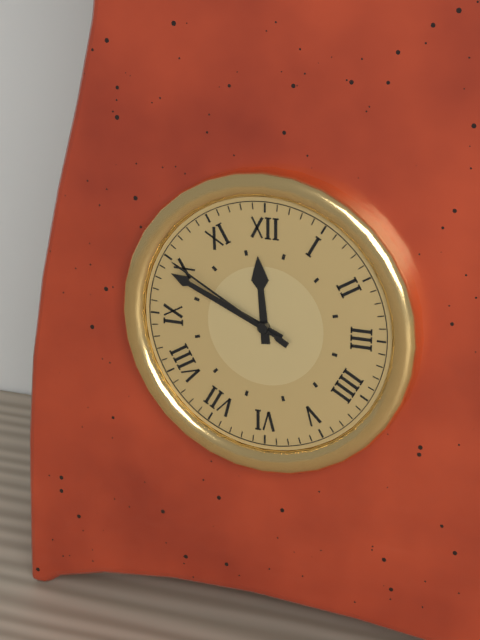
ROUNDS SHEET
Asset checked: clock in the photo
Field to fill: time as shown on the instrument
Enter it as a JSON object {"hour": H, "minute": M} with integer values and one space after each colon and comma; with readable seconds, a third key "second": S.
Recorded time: {"hour": 11, "minute": 49, "second": 50}
